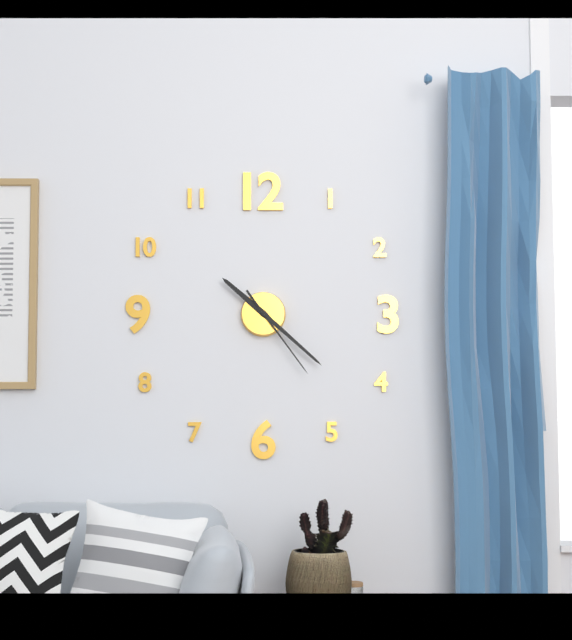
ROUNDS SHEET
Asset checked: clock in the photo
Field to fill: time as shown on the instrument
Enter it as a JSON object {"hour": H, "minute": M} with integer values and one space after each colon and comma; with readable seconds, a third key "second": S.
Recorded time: {"hour": 10, "minute": 22, "second": 24}
